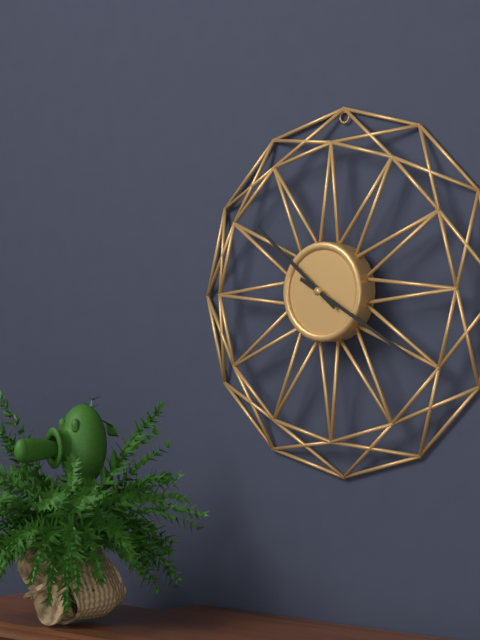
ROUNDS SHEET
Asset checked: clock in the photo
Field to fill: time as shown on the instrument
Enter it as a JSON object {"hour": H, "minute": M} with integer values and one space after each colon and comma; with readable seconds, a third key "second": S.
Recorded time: {"hour": 10, "minute": 20}
